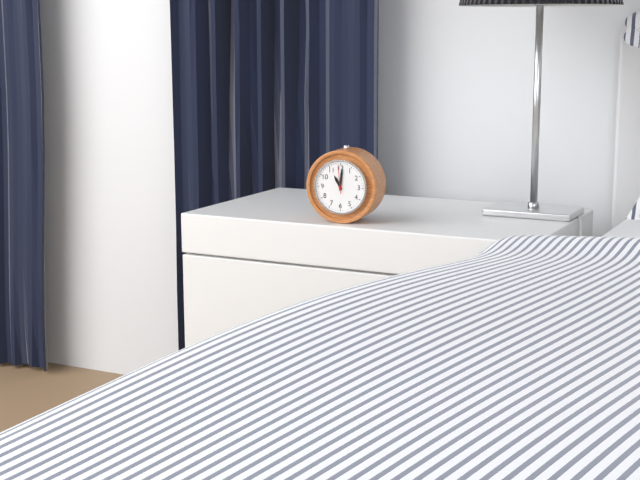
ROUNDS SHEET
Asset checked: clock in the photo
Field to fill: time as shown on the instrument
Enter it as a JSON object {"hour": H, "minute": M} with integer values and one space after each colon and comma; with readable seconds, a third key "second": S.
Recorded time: {"hour": 11, "minute": 1}
